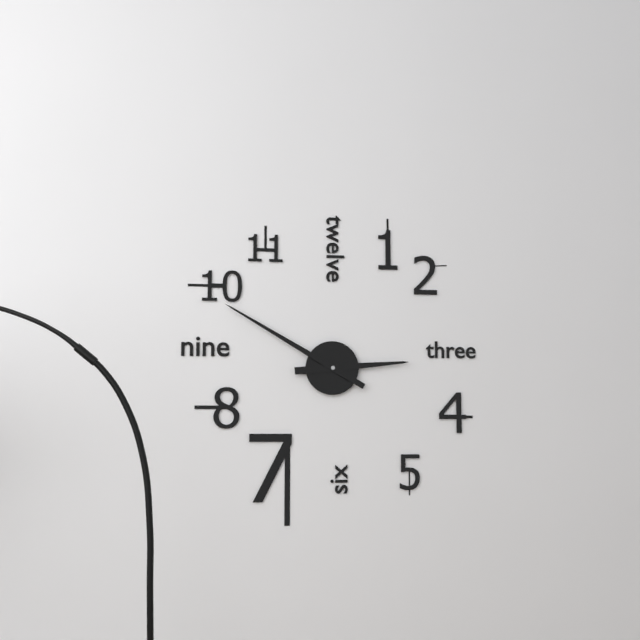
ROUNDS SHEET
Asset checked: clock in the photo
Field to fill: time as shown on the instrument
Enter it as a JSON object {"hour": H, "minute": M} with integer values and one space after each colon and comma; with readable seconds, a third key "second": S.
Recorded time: {"hour": 2, "minute": 50}
